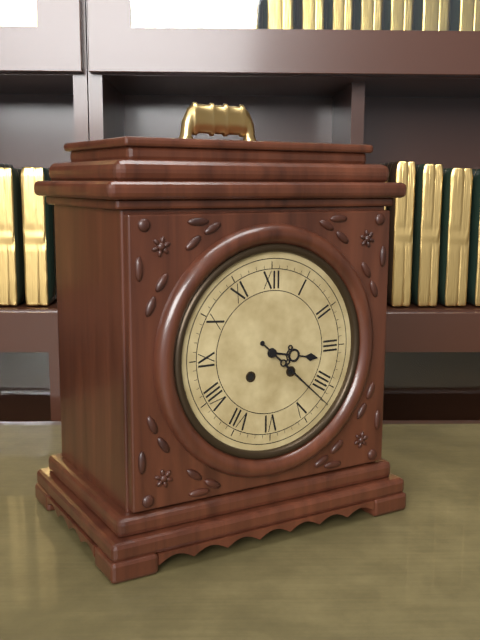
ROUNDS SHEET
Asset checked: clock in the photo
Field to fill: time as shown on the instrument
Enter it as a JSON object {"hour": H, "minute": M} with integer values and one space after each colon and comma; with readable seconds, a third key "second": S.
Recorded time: {"hour": 3, "minute": 22}
